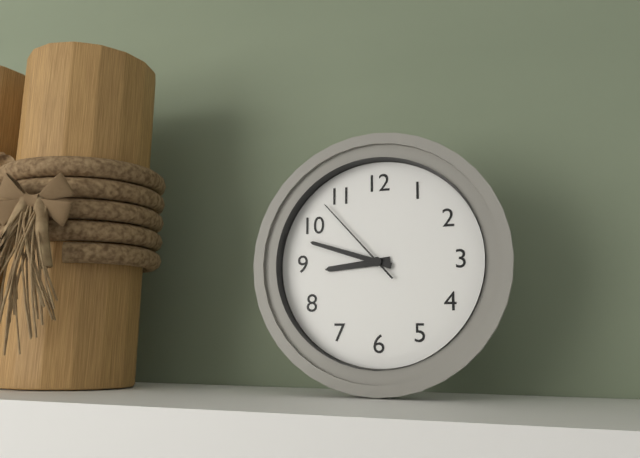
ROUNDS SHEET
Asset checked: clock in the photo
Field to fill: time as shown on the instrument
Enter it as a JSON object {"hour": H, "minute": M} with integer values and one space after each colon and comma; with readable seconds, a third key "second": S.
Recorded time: {"hour": 8, "minute": 48, "second": 53}
